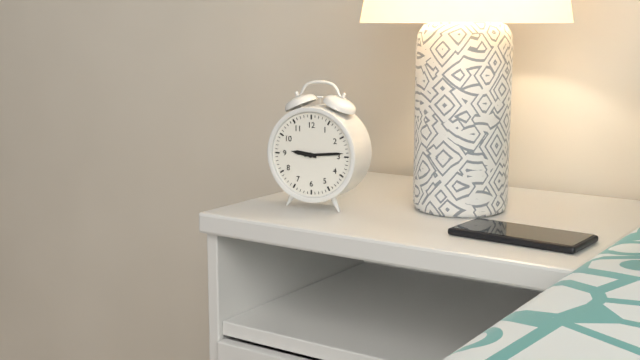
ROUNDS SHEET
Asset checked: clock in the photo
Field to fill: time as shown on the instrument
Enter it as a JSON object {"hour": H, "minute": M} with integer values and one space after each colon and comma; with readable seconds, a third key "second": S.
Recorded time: {"hour": 9, "minute": 14}
